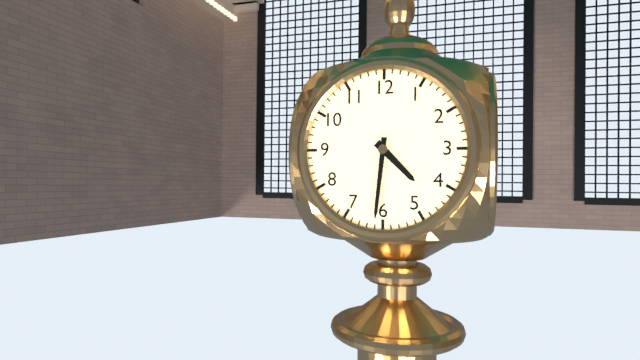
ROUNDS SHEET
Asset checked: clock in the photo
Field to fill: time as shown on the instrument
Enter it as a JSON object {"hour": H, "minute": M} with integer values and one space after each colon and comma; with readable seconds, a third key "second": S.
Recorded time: {"hour": 4, "minute": 31}
